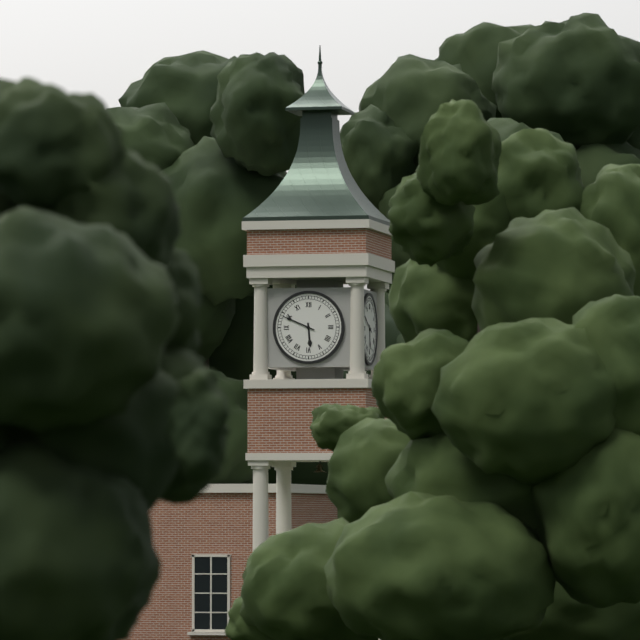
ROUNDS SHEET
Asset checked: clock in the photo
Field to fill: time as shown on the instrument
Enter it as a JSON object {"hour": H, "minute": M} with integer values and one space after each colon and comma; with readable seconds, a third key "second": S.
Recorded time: {"hour": 5, "minute": 49}
